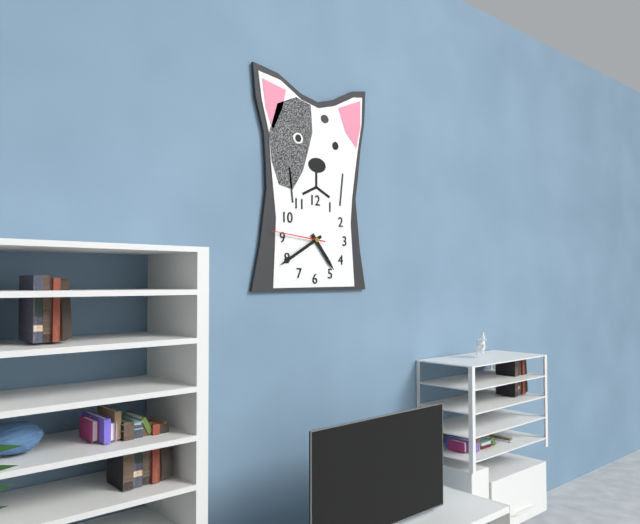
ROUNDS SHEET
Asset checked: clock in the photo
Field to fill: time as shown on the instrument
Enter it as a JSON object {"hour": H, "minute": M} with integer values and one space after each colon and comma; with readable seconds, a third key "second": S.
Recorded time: {"hour": 4, "minute": 40, "second": 46}
